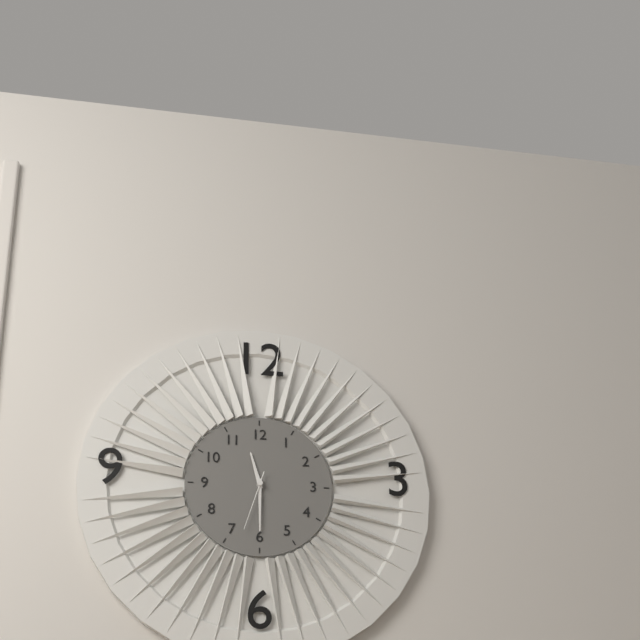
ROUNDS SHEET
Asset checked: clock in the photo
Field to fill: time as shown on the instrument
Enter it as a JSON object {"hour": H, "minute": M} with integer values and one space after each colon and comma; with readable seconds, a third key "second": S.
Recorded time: {"hour": 11, "minute": 30, "second": 33}
